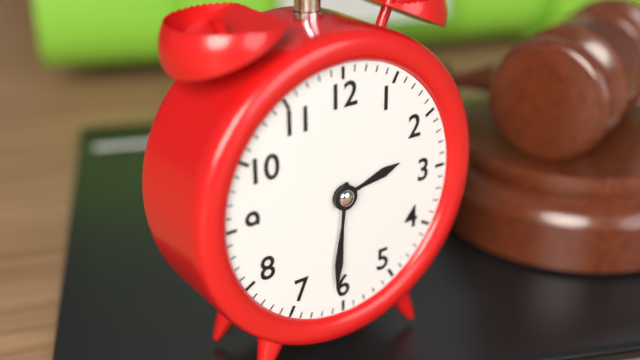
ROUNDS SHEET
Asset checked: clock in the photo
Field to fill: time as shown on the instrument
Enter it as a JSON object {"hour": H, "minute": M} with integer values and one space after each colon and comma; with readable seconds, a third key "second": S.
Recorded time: {"hour": 2, "minute": 31}
